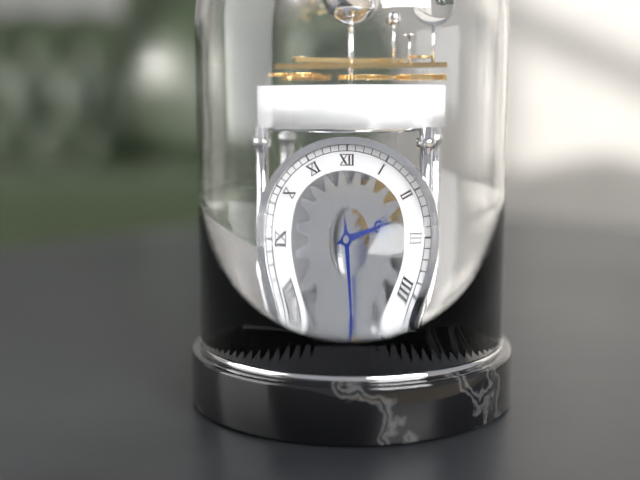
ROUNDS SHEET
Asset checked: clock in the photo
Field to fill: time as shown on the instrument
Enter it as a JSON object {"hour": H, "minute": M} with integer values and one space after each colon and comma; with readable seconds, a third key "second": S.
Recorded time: {"hour": 2, "minute": 29}
